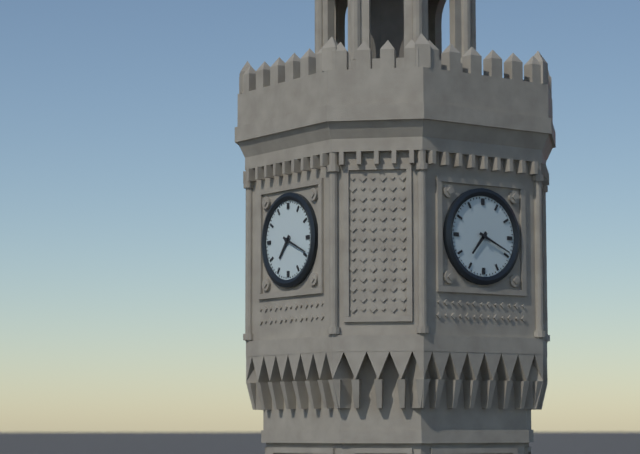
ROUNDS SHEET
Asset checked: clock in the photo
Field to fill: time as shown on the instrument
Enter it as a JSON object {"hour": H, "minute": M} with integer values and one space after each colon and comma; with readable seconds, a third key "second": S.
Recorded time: {"hour": 7, "minute": 19}
